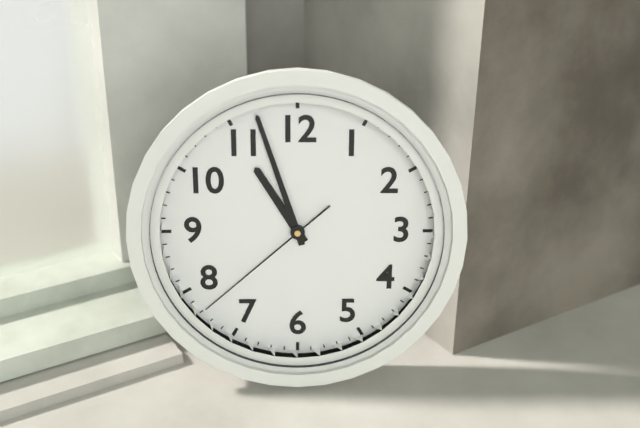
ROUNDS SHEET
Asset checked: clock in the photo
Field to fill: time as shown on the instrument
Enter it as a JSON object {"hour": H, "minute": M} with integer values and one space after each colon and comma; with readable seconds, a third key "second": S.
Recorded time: {"hour": 10, "minute": 57, "second": 38}
